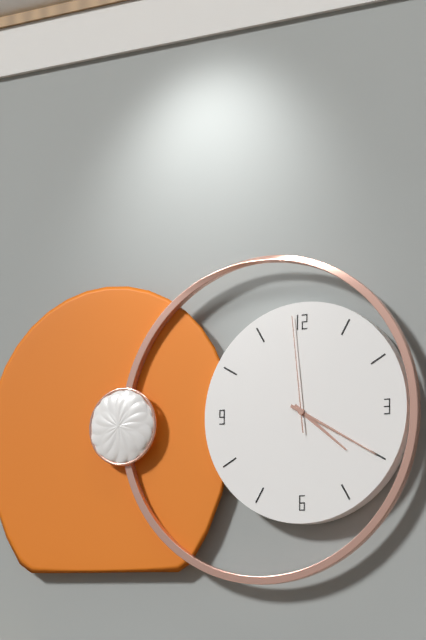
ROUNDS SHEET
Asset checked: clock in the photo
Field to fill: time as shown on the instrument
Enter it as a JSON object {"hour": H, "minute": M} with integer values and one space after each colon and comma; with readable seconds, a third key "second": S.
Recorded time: {"hour": 4, "minute": 20, "second": 59}
